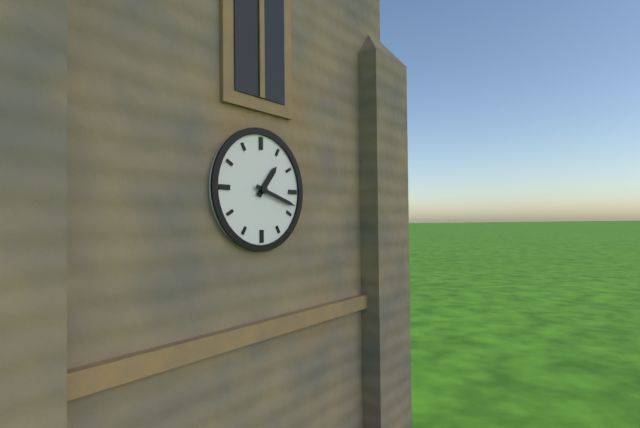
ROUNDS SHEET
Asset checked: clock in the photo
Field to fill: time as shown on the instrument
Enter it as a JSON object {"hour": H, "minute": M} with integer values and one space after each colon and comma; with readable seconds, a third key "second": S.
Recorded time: {"hour": 1, "minute": 18}
